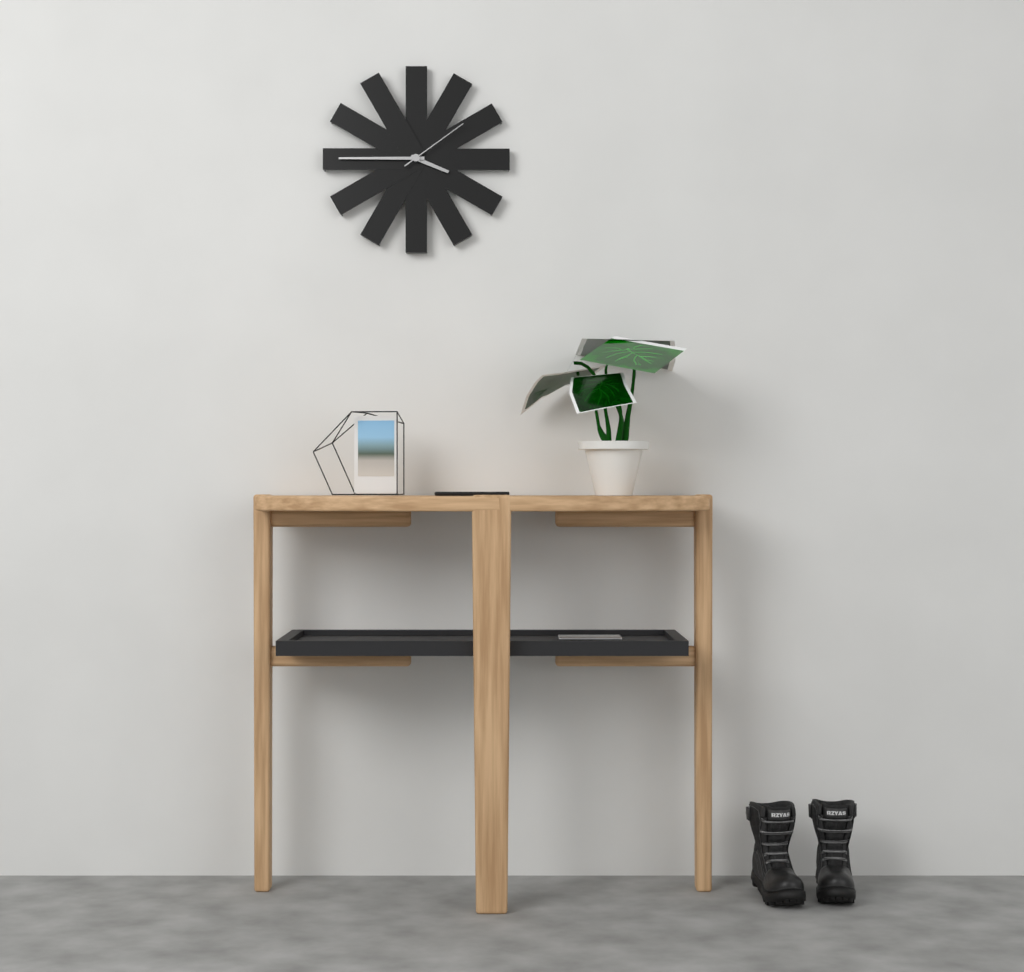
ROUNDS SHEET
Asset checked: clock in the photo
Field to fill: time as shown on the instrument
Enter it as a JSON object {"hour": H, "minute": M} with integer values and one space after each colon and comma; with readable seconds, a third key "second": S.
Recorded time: {"hour": 3, "minute": 45, "second": 9}
